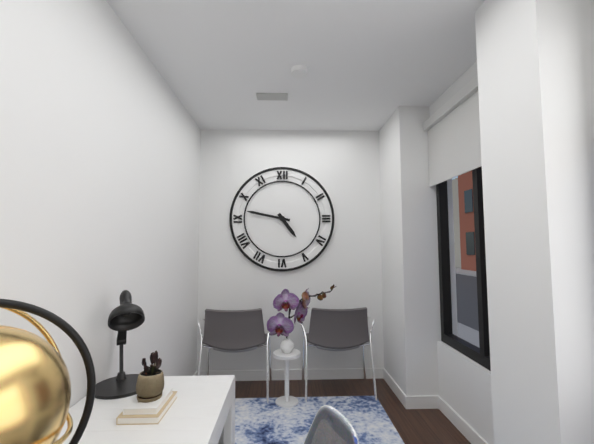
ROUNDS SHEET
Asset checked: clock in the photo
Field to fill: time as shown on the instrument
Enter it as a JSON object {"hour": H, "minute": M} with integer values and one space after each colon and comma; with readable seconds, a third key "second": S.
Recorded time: {"hour": 4, "minute": 47}
